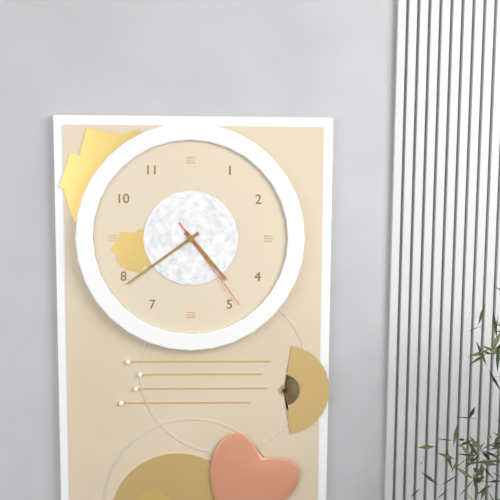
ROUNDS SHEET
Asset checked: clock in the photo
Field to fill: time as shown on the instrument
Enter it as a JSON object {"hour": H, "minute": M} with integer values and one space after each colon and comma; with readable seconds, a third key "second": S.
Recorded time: {"hour": 4, "minute": 39, "second": 24}
